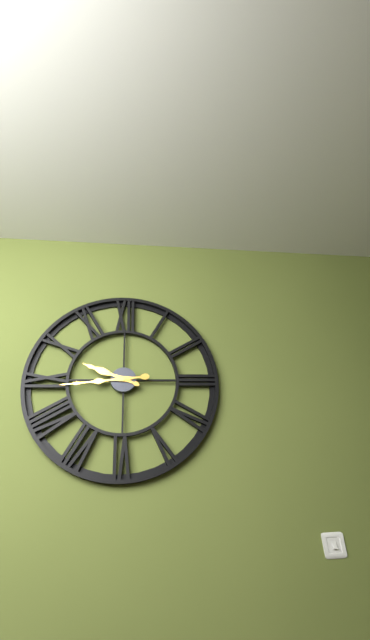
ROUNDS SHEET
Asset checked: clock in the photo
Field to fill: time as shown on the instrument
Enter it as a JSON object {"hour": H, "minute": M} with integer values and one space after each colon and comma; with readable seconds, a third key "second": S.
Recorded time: {"hour": 9, "minute": 44}
